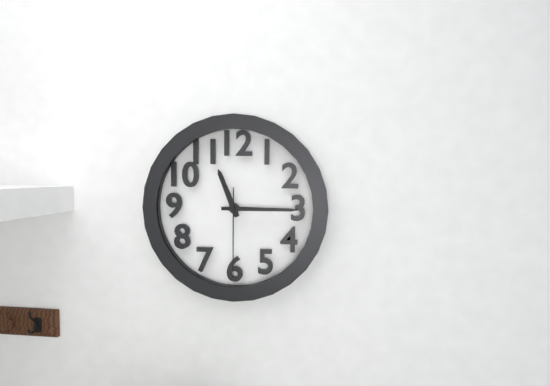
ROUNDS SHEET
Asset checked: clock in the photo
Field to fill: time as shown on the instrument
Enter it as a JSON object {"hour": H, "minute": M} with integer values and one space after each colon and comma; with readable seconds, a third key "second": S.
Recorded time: {"hour": 11, "minute": 15, "second": 30}
